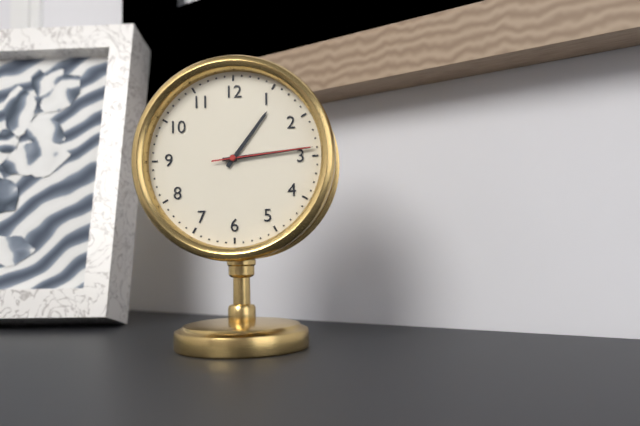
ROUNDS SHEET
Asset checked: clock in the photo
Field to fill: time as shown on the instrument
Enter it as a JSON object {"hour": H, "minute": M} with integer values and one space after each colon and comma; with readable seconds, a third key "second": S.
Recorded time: {"hour": 1, "minute": 14, "second": 14}
